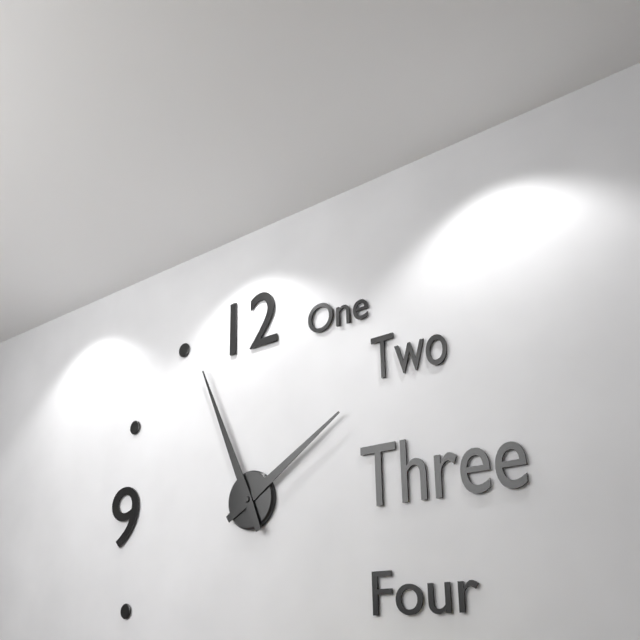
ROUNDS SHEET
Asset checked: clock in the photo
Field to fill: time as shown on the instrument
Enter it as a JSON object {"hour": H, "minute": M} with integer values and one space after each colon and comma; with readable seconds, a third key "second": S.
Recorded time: {"hour": 1, "minute": 56}
